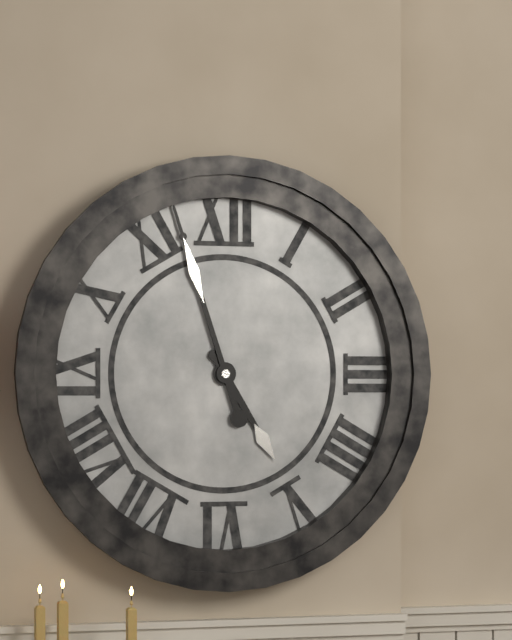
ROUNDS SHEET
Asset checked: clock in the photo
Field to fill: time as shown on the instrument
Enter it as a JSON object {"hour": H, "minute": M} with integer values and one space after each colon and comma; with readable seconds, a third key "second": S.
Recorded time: {"hour": 4, "minute": 57}
